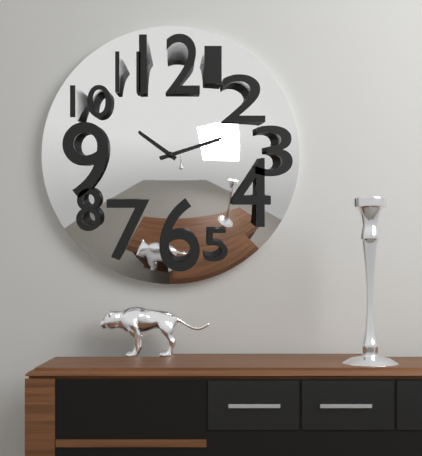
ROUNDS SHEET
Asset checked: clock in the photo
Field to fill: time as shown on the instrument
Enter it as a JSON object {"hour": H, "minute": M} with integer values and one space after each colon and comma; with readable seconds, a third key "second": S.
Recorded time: {"hour": 10, "minute": 12}
